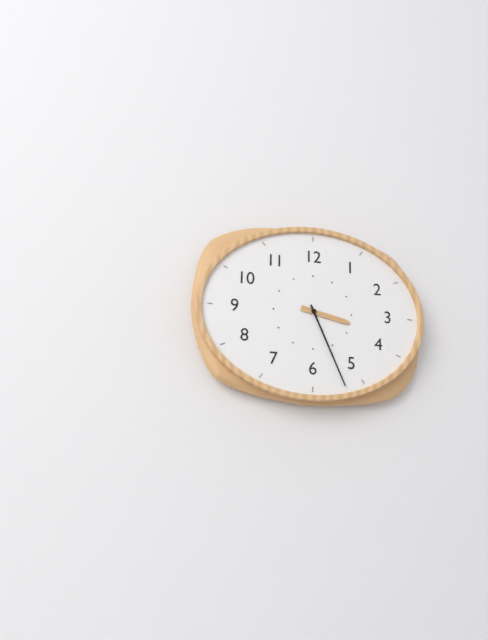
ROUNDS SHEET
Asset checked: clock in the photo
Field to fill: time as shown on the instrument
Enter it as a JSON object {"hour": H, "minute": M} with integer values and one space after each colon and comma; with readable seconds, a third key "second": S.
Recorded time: {"hour": 3, "minute": 26}
